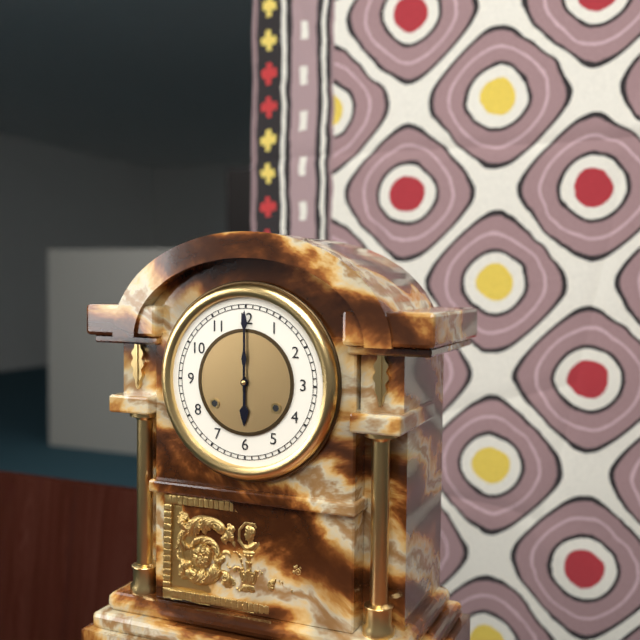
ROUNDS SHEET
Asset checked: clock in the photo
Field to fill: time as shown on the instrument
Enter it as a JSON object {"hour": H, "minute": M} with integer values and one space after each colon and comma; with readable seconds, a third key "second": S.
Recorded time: {"hour": 6, "minute": 0}
